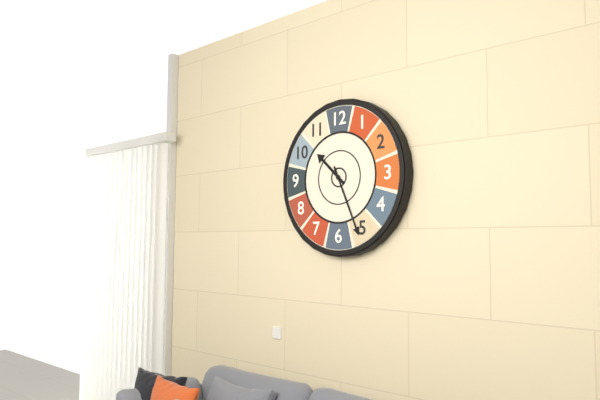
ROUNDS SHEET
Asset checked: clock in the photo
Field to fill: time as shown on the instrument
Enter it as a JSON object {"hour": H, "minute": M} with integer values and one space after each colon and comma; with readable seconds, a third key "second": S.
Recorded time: {"hour": 10, "minute": 26}
